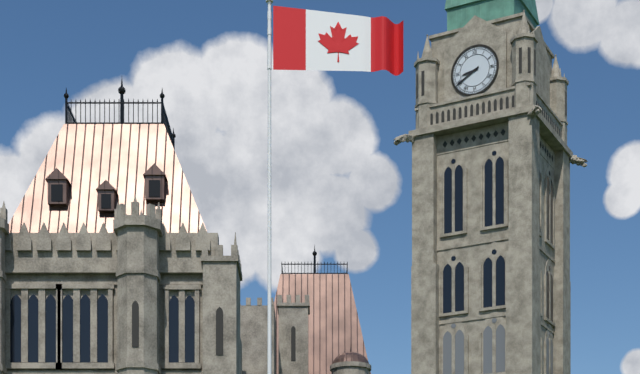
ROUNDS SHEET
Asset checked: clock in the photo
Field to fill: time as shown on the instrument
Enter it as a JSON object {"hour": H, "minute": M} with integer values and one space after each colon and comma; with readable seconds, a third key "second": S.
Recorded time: {"hour": 8, "minute": 40}
